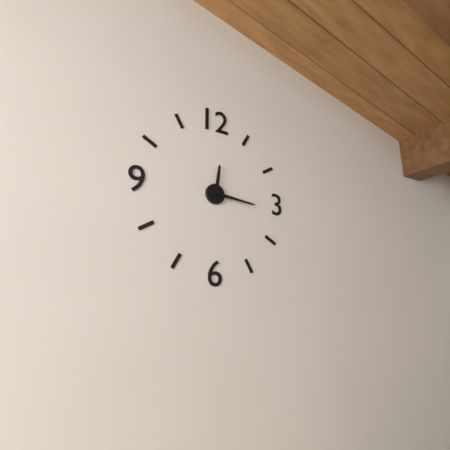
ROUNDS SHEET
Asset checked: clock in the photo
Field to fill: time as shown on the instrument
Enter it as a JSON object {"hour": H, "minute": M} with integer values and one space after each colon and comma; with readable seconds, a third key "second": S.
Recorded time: {"hour": 12, "minute": 16}
